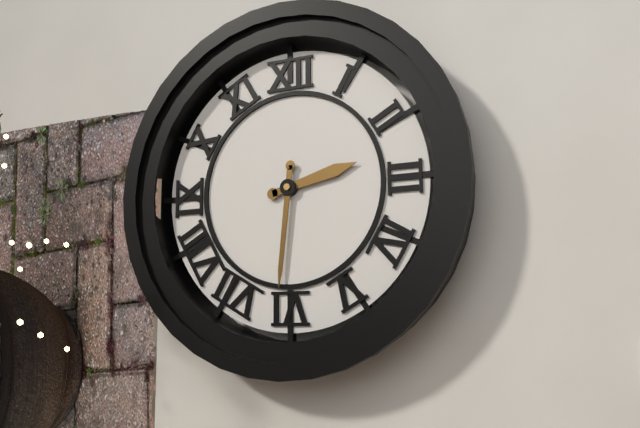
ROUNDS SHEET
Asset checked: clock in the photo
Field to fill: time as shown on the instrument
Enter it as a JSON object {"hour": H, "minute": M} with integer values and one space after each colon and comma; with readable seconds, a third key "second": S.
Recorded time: {"hour": 2, "minute": 31}
